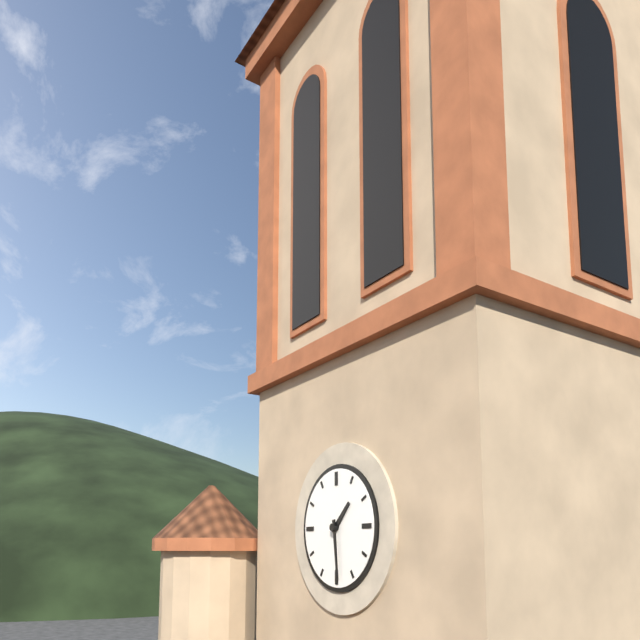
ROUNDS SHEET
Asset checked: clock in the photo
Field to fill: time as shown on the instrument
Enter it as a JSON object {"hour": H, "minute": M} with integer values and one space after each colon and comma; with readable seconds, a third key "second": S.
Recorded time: {"hour": 1, "minute": 29}
